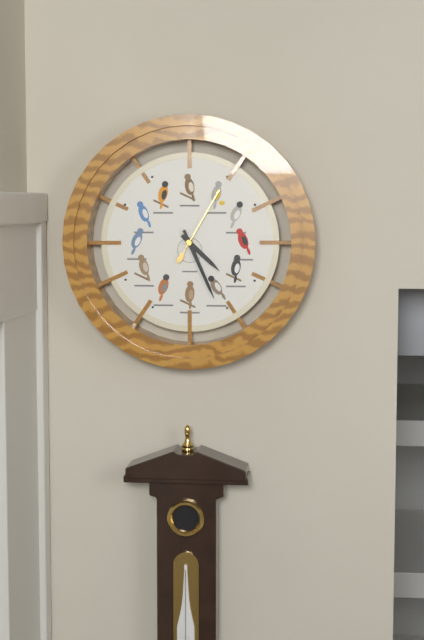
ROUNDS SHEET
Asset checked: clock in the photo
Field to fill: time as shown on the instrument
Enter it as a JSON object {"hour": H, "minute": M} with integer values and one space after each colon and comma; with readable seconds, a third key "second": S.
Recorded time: {"hour": 4, "minute": 26, "second": 5}
